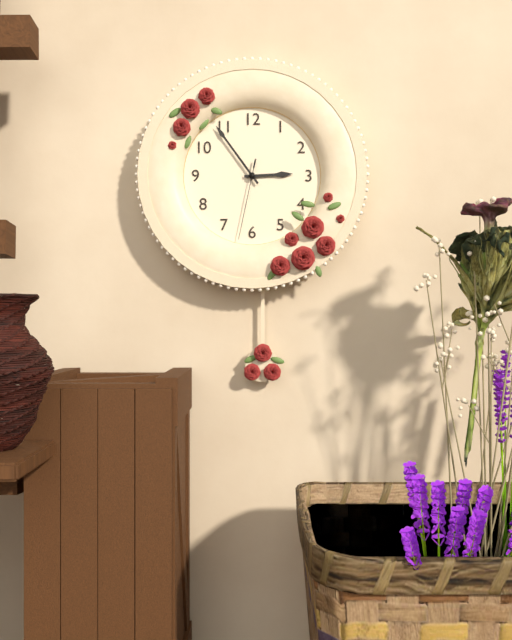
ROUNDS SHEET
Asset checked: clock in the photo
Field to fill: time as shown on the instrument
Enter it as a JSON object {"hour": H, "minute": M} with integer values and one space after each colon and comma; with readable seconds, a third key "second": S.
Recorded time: {"hour": 2, "minute": 54, "second": 32}
